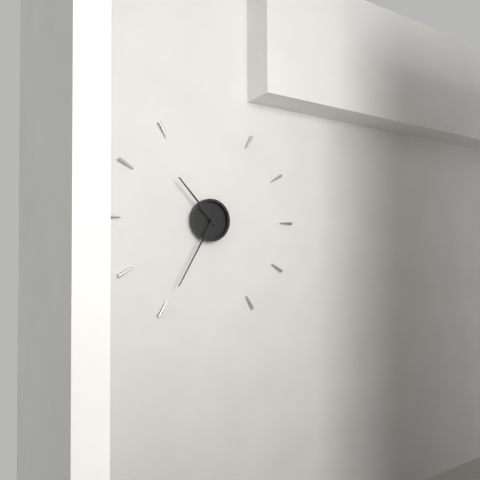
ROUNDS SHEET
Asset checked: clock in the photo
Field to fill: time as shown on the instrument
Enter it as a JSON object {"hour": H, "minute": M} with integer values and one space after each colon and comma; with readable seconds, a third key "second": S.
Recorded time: {"hour": 10, "minute": 35}
